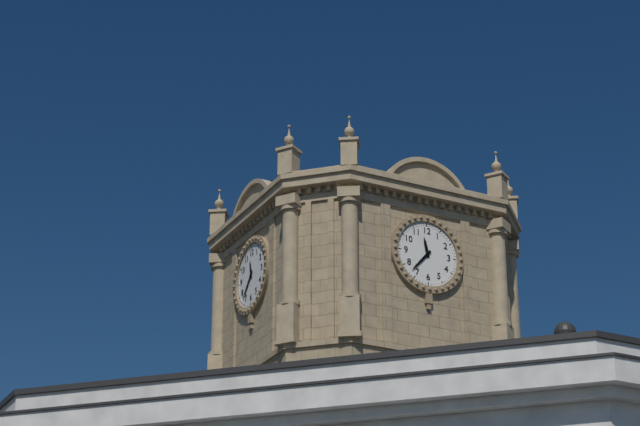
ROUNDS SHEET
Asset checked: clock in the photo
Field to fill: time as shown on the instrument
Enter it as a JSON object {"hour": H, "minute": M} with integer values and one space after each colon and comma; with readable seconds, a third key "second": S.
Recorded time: {"hour": 11, "minute": 37}
